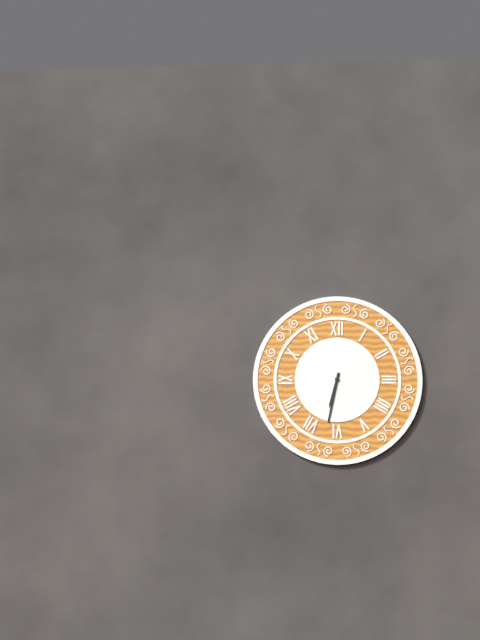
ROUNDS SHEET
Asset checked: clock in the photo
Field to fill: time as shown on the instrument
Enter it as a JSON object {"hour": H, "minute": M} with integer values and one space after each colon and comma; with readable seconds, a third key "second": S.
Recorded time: {"hour": 6, "minute": 32}
